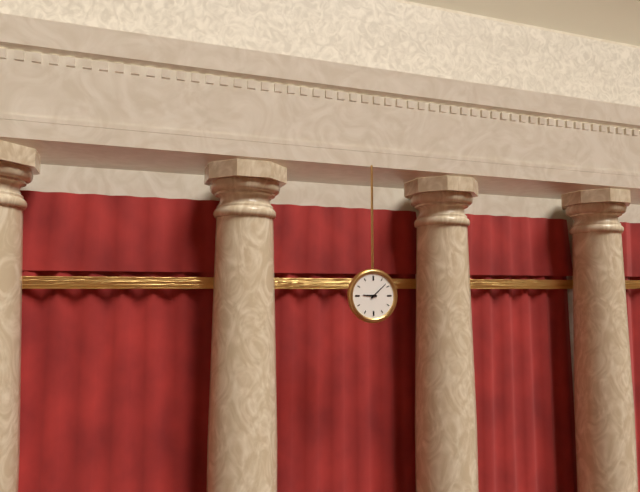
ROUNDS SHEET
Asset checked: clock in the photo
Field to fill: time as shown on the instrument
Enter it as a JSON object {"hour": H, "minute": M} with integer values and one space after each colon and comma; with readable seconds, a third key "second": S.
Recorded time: {"hour": 9, "minute": 8}
